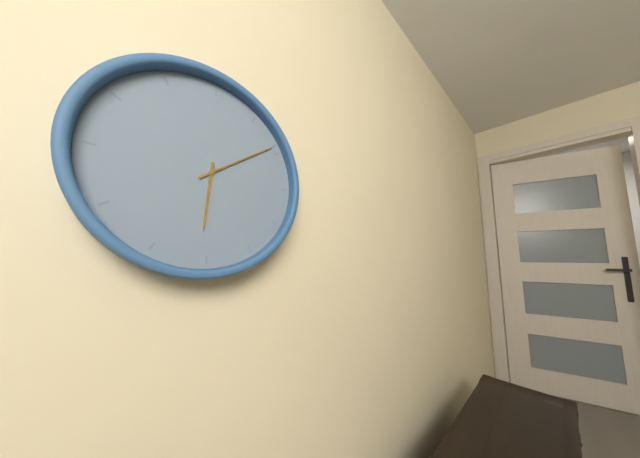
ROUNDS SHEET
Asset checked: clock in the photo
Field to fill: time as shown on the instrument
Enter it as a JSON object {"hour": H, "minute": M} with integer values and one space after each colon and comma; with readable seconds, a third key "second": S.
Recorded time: {"hour": 6, "minute": 9}
